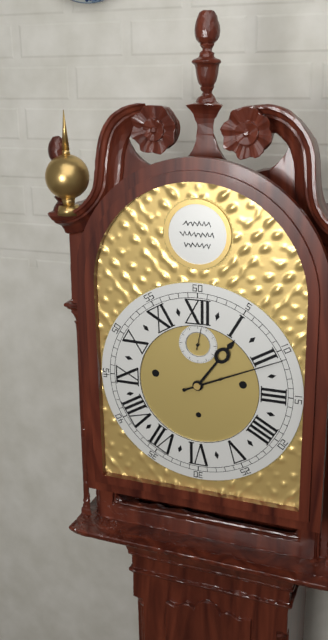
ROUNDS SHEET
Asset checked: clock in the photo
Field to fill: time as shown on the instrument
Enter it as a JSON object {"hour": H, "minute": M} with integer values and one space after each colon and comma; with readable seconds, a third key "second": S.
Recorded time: {"hour": 1, "minute": 11}
